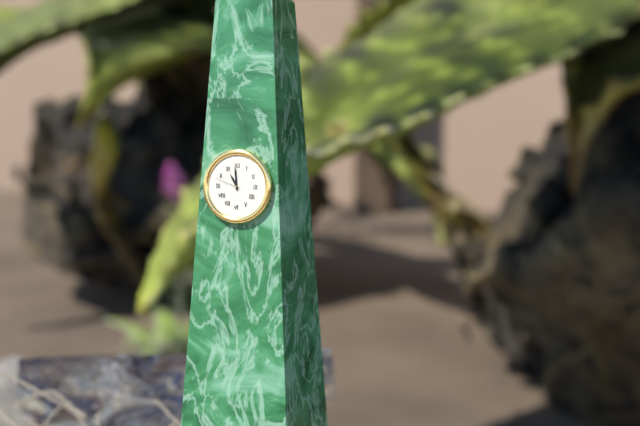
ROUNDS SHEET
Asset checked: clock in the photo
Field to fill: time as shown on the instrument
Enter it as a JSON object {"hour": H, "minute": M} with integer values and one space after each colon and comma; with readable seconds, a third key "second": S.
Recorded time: {"hour": 10, "minute": 59}
